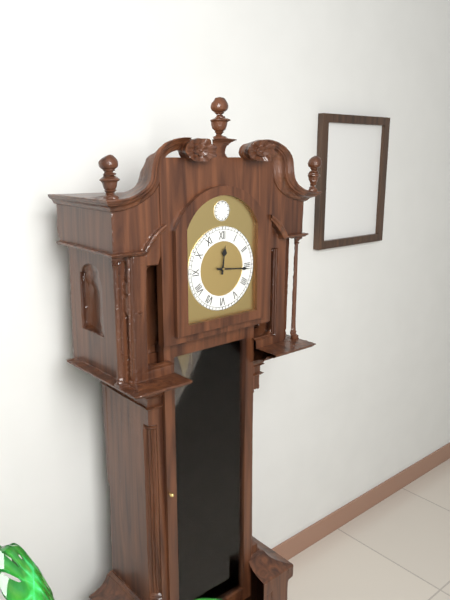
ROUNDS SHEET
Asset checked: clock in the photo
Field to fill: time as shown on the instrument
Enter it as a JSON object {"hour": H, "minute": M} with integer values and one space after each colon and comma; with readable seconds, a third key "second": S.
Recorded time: {"hour": 12, "minute": 16}
